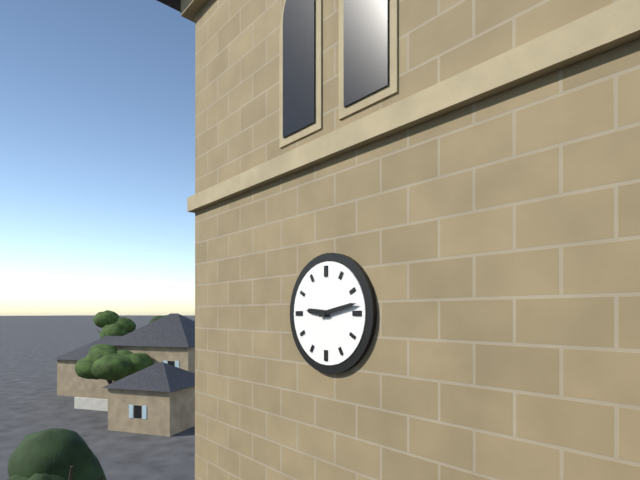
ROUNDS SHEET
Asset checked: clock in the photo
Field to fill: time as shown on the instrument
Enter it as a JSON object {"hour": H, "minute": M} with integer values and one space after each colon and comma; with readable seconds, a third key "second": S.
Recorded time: {"hour": 9, "minute": 13}
